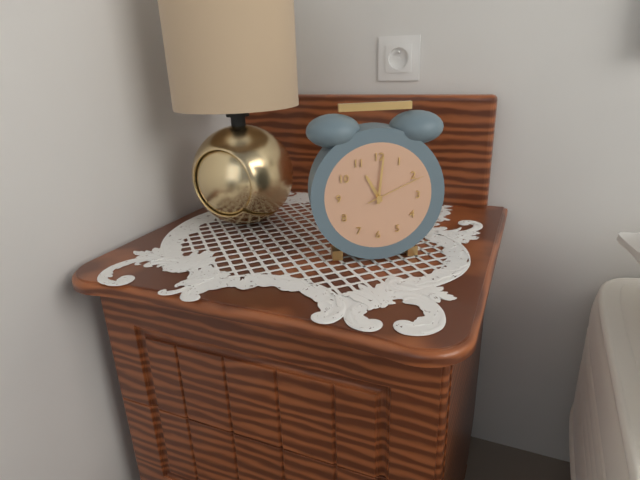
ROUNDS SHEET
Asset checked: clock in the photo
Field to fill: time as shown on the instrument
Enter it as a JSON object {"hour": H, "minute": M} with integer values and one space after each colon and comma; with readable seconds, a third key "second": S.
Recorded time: {"hour": 11, "minute": 1, "second": 11}
